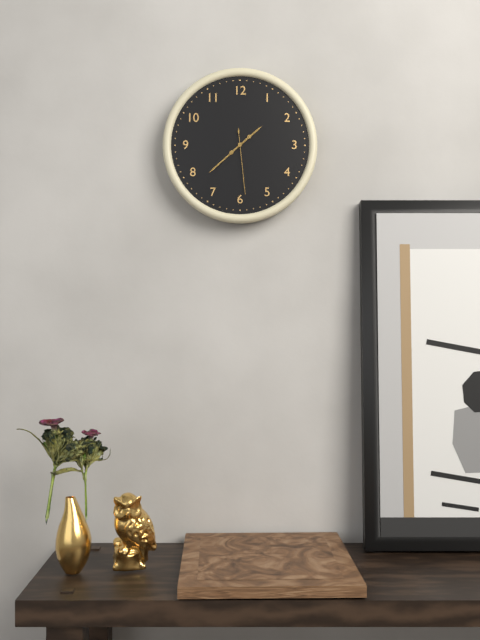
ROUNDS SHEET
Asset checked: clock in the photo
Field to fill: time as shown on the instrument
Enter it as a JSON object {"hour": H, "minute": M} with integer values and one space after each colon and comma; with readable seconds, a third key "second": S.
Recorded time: {"hour": 1, "minute": 38, "second": 29}
